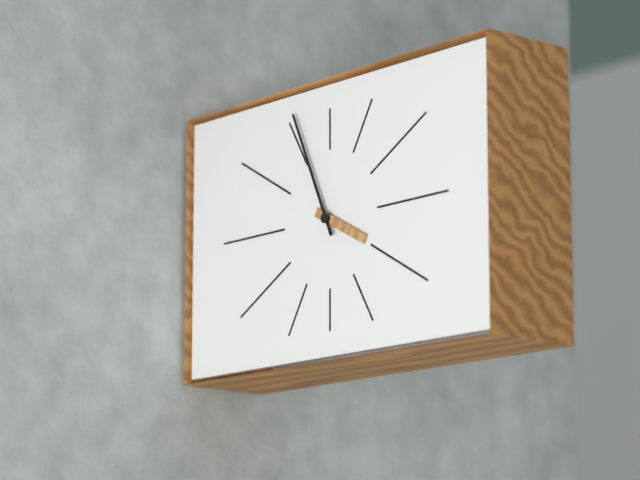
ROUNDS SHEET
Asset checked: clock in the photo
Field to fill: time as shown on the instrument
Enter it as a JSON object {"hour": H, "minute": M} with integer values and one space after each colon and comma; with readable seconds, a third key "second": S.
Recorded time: {"hour": 3, "minute": 56}
